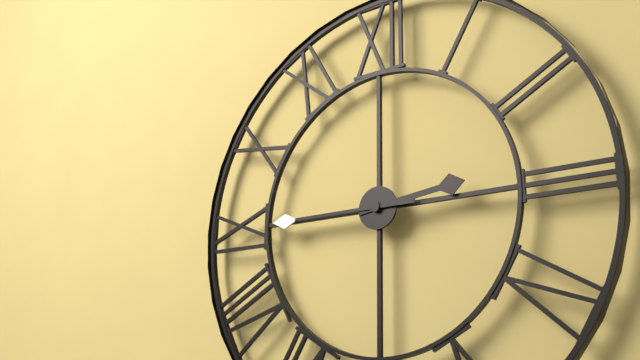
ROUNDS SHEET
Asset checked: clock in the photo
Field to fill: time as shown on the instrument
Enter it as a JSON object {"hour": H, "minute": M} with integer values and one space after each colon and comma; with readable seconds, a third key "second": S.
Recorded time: {"hour": 2, "minute": 45}
